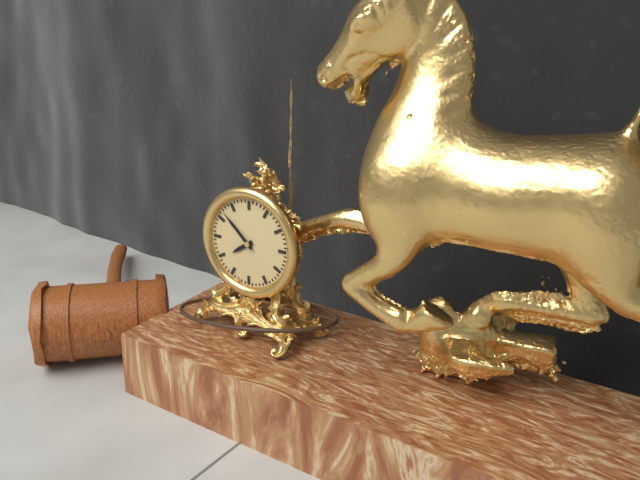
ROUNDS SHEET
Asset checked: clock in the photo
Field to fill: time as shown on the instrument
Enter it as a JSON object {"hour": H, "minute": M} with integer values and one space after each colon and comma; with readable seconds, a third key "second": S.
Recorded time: {"hour": 7, "minute": 52}
